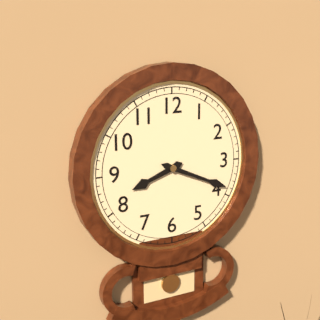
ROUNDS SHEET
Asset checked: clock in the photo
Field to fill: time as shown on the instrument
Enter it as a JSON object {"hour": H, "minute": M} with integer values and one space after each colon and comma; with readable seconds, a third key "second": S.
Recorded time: {"hour": 8, "minute": 19}
